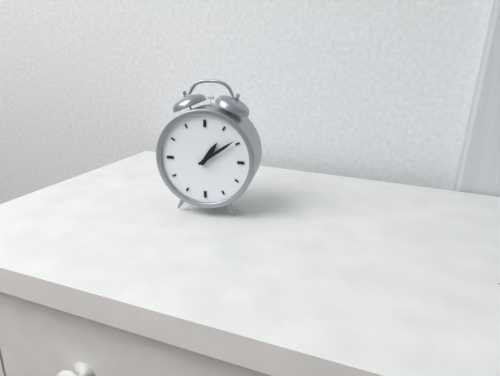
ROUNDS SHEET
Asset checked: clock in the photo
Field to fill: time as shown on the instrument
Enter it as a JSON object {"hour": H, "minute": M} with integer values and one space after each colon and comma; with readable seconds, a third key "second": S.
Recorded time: {"hour": 1, "minute": 9}
